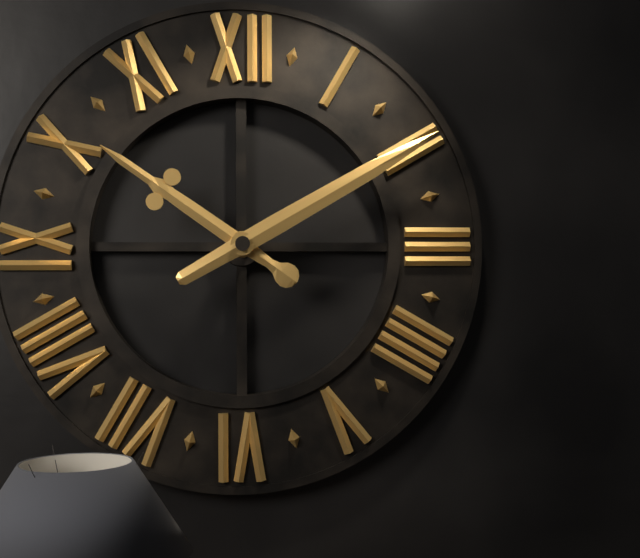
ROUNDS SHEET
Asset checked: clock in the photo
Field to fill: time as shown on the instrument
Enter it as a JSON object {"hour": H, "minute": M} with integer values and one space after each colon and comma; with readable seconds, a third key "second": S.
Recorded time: {"hour": 10, "minute": 10}
